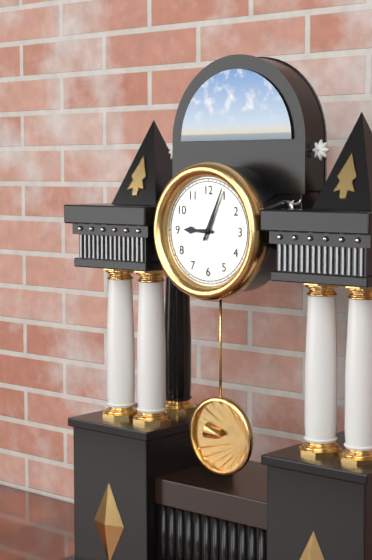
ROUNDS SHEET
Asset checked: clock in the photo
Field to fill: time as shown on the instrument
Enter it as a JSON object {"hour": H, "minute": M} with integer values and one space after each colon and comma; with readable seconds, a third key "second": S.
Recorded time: {"hour": 9, "minute": 4}
